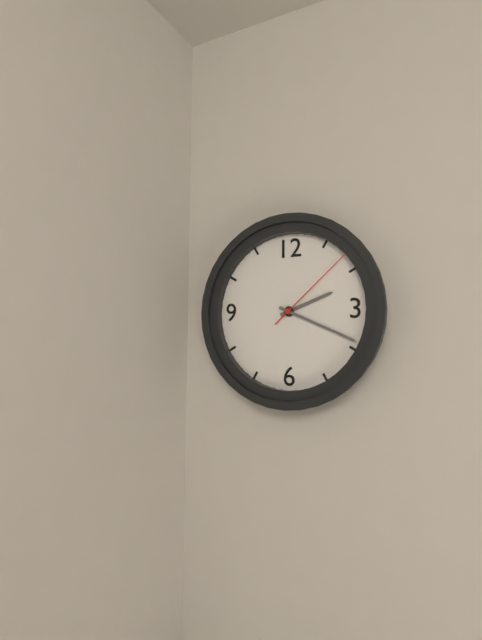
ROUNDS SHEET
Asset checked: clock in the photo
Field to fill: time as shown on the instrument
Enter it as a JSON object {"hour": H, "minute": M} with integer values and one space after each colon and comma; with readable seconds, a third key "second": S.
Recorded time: {"hour": 2, "minute": 19, "second": 8}
